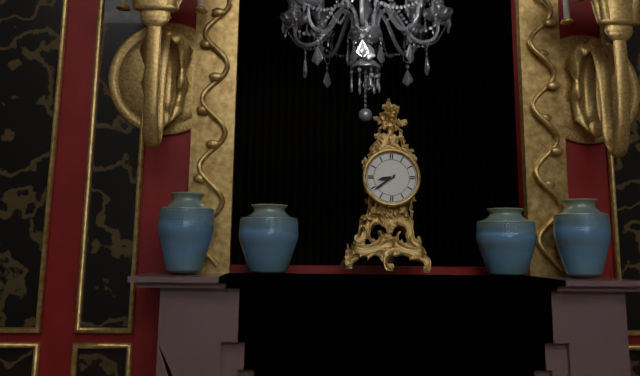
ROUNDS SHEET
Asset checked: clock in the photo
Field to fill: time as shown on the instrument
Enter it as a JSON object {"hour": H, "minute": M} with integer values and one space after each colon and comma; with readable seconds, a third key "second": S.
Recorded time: {"hour": 8, "minute": 39}
